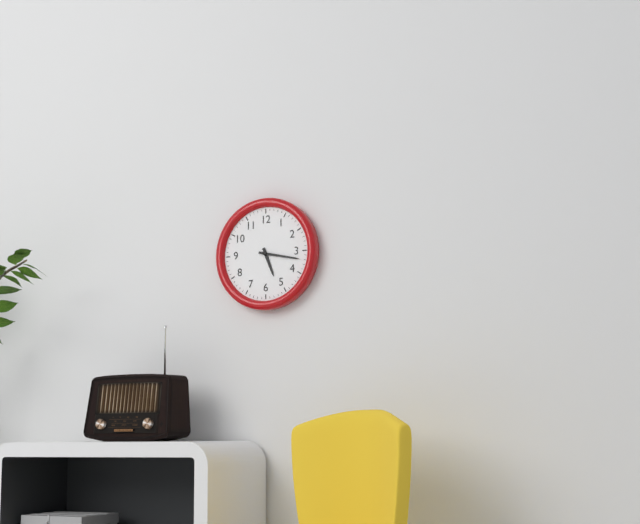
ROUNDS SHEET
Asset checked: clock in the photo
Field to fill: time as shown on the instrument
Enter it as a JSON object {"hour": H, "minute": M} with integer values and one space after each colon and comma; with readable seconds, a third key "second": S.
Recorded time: {"hour": 5, "minute": 17}
